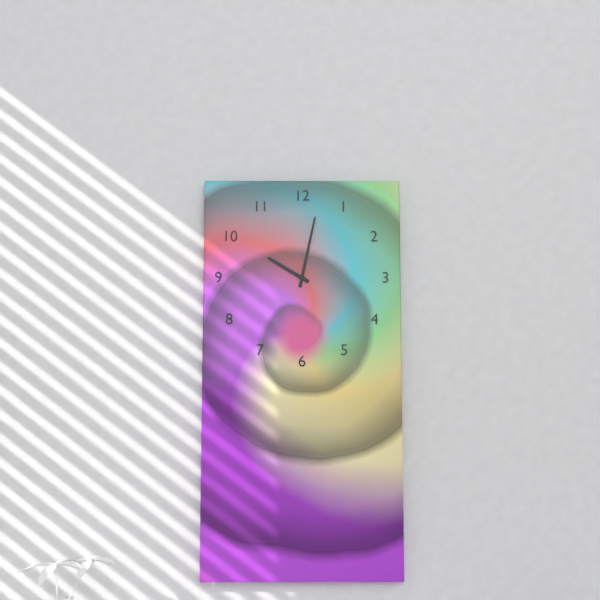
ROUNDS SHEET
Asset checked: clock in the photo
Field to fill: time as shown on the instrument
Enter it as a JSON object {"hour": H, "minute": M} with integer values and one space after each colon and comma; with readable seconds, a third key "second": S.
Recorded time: {"hour": 10, "minute": 2}
